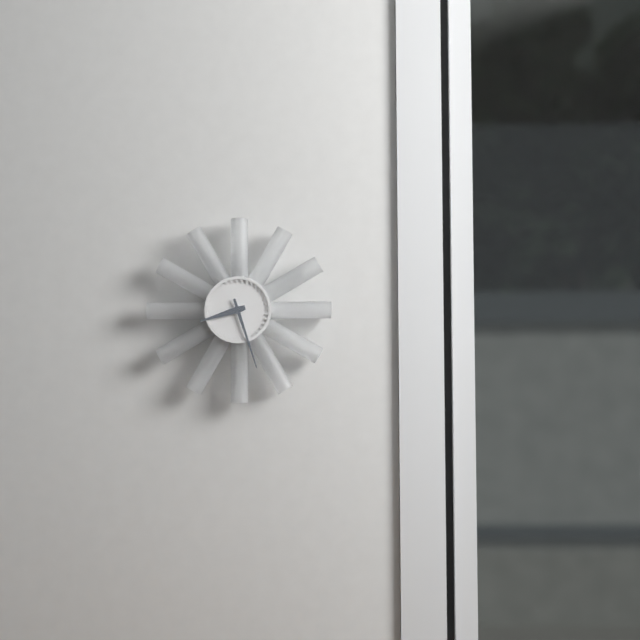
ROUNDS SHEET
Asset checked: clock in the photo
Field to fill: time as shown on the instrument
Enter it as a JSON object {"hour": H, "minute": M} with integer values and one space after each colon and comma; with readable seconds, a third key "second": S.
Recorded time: {"hour": 8, "minute": 27}
